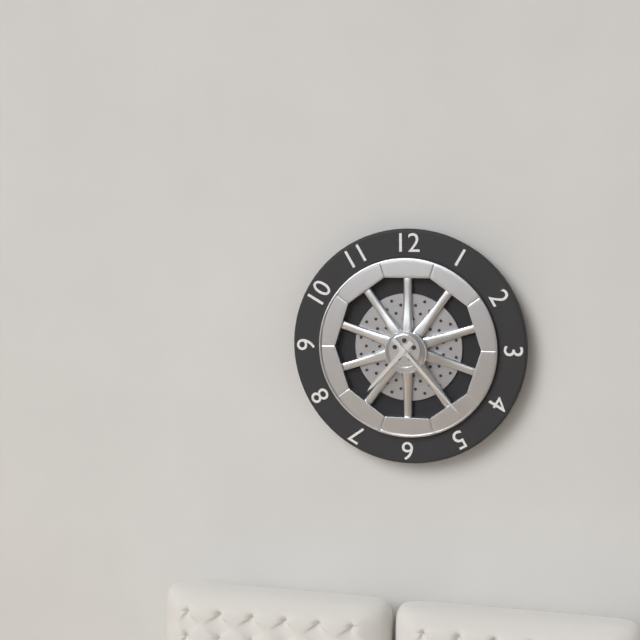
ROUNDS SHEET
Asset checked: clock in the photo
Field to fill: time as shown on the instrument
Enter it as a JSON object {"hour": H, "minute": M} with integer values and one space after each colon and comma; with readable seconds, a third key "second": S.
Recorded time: {"hour": 7, "minute": 23}
